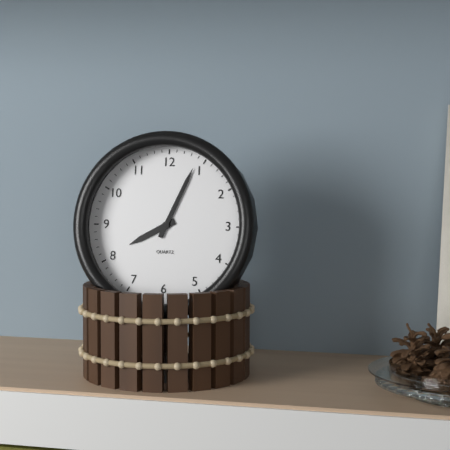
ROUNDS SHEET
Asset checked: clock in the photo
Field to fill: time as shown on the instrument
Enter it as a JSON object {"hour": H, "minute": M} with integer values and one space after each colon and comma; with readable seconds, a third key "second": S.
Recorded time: {"hour": 8, "minute": 4}
